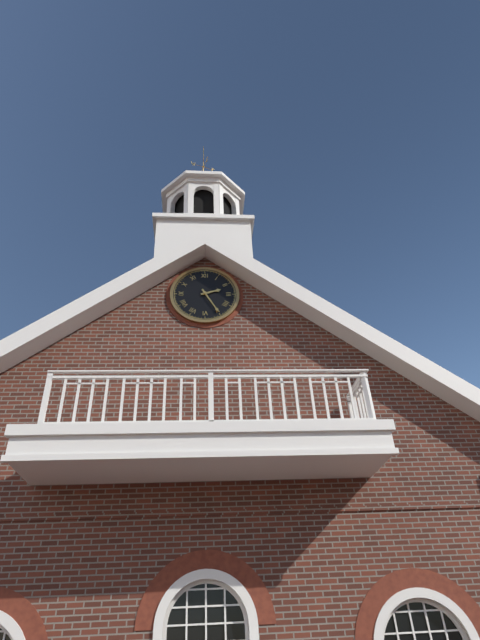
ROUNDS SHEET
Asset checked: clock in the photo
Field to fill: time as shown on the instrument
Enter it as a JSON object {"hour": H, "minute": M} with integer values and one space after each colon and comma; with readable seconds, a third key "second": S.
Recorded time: {"hour": 2, "minute": 25}
